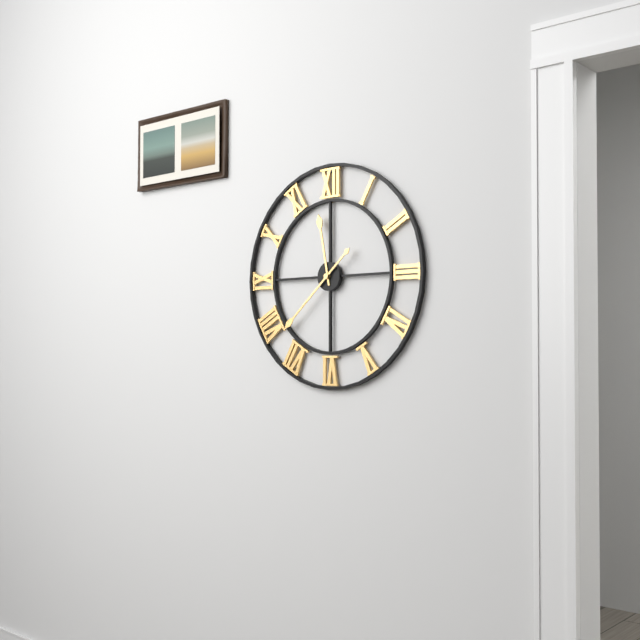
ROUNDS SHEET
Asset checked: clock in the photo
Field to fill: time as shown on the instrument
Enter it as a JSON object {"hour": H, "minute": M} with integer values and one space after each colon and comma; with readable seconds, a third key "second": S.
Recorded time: {"hour": 11, "minute": 38}
